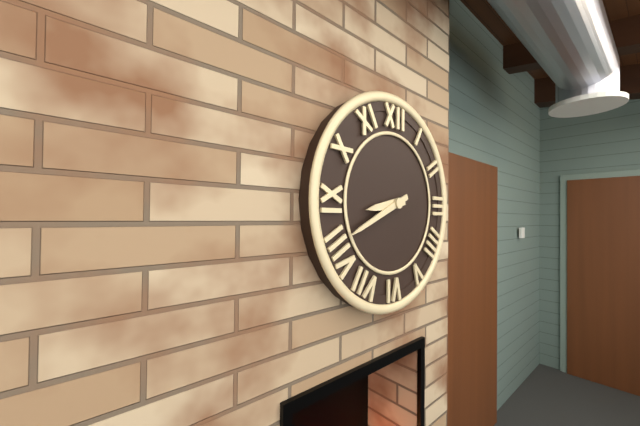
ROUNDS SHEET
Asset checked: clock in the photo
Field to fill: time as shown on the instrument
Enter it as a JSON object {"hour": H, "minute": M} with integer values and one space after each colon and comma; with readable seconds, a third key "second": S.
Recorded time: {"hour": 8, "minute": 41}
